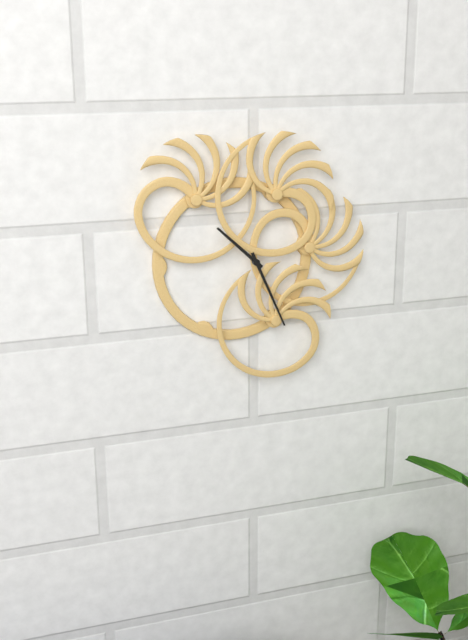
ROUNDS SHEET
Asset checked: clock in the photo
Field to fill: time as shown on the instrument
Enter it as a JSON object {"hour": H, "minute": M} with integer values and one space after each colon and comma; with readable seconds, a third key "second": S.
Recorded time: {"hour": 10, "minute": 26}
